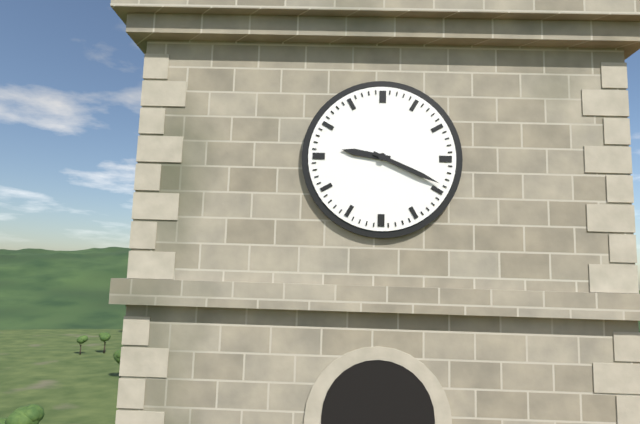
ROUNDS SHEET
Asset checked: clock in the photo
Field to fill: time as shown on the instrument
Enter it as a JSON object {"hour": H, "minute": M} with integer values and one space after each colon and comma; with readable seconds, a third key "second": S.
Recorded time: {"hour": 9, "minute": 19}
